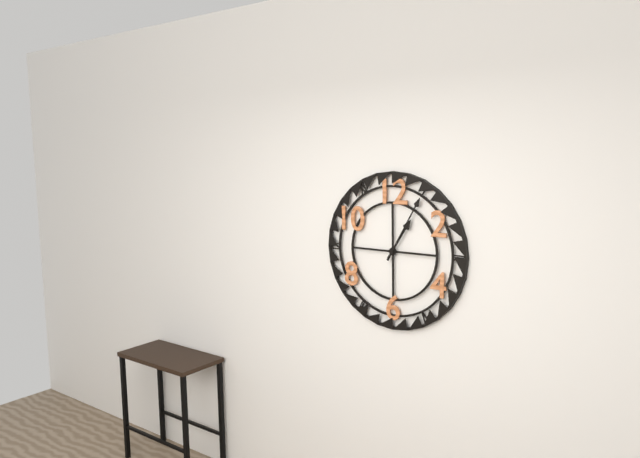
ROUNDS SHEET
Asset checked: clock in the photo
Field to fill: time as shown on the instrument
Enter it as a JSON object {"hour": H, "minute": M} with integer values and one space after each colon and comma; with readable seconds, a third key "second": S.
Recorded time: {"hour": 1, "minute": 5}
